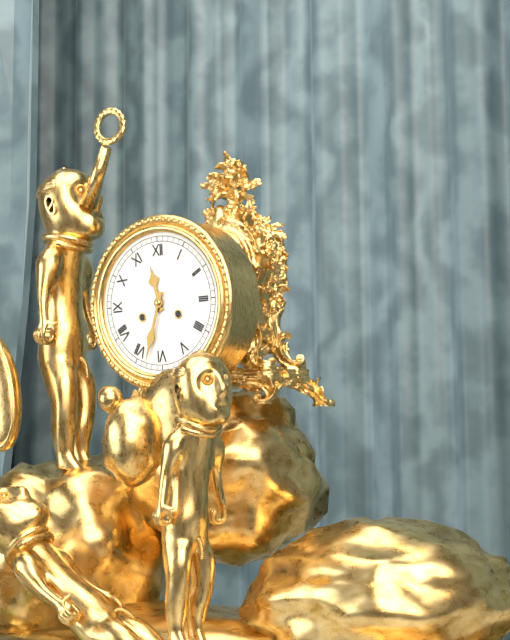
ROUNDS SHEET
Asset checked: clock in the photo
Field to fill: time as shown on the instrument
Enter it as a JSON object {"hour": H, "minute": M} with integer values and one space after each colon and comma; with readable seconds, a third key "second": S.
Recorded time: {"hour": 11, "minute": 33}
